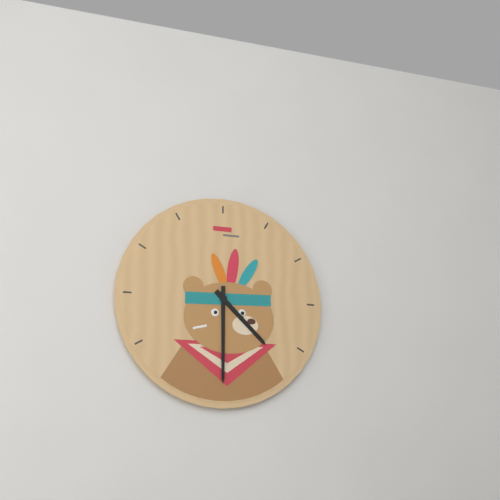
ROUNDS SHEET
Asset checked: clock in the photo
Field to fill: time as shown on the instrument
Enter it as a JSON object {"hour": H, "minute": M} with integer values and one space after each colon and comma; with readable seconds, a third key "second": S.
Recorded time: {"hour": 4, "minute": 30}
